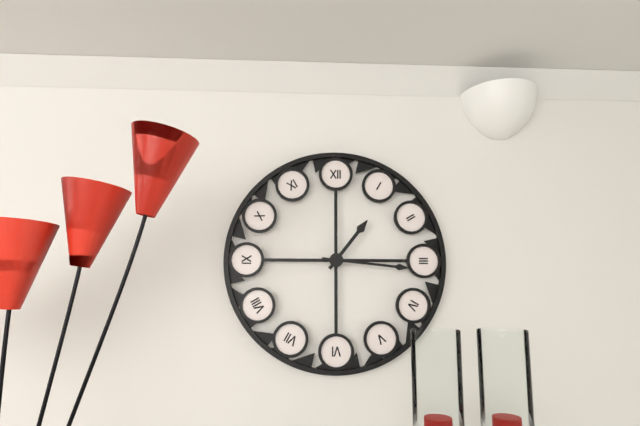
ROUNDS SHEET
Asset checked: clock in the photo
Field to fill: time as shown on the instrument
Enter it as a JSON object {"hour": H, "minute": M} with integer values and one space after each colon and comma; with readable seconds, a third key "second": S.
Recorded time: {"hour": 1, "minute": 16}
